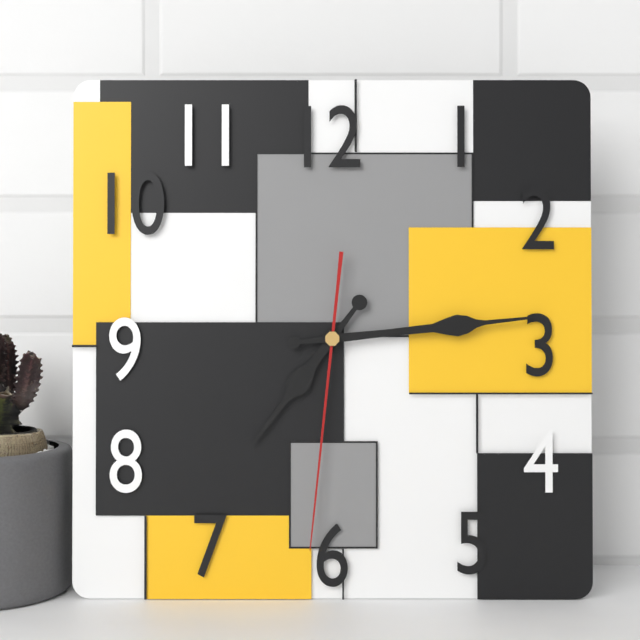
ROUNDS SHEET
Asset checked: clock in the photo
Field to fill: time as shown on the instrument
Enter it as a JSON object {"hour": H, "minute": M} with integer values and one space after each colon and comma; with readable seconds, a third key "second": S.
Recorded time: {"hour": 7, "minute": 14, "second": 31}
